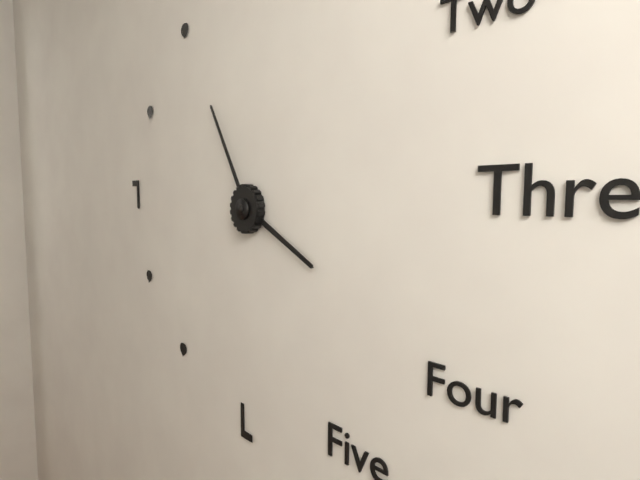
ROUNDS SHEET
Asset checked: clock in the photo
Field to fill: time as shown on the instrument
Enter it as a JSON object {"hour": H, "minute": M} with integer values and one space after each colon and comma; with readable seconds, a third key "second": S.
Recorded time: {"hour": 3, "minute": 55}
